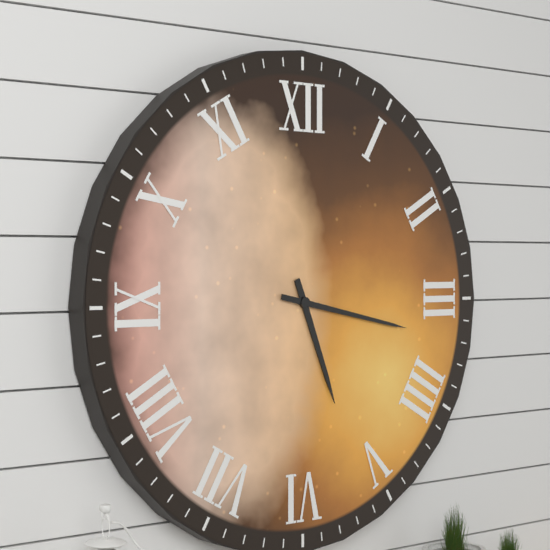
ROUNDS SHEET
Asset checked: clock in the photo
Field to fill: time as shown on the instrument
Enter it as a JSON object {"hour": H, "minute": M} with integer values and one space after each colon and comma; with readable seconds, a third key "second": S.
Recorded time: {"hour": 5, "minute": 17}
